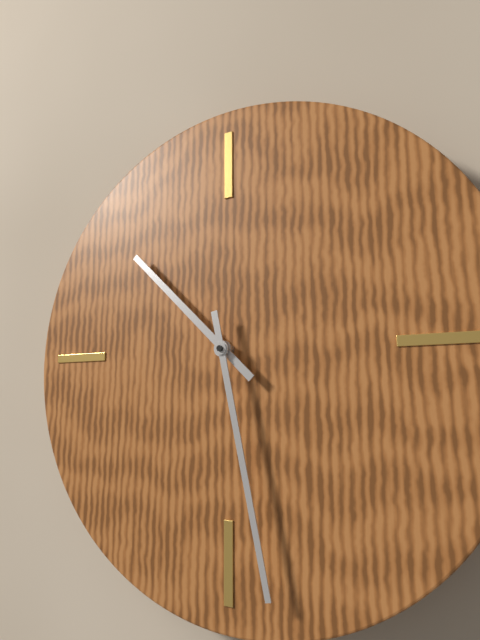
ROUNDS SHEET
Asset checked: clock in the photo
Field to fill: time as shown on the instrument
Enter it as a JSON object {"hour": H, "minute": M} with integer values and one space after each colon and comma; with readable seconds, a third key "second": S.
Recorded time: {"hour": 10, "minute": 28}
